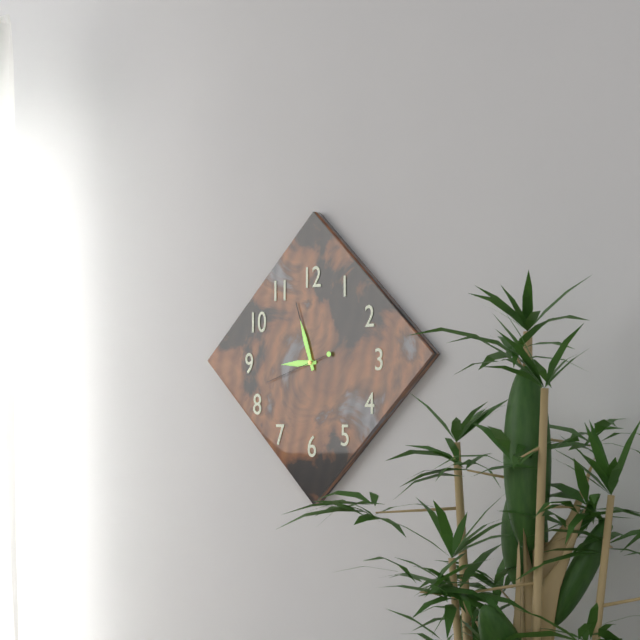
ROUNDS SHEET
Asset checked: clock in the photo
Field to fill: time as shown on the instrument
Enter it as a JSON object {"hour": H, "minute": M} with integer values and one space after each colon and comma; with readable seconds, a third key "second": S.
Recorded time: {"hour": 8, "minute": 57, "second": 42}
